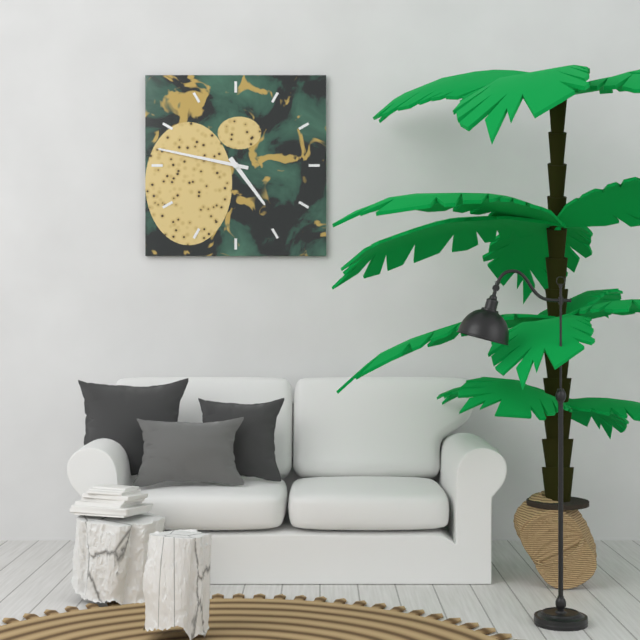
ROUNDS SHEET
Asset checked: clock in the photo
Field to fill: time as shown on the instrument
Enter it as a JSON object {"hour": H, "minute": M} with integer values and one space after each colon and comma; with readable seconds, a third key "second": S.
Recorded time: {"hour": 4, "minute": 47}
